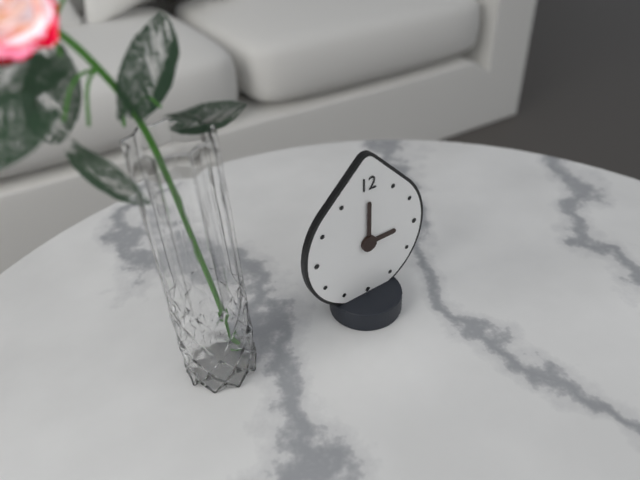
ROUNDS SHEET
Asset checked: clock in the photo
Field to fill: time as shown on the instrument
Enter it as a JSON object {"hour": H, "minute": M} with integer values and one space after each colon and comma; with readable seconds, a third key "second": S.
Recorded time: {"hour": 3, "minute": 0}
